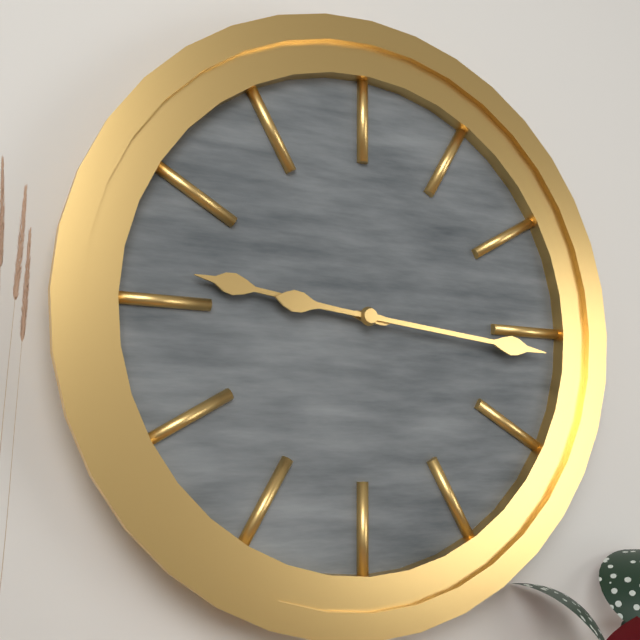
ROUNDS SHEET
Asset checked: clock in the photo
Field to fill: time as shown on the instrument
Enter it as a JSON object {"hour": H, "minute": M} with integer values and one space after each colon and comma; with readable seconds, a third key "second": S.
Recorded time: {"hour": 9, "minute": 16}
